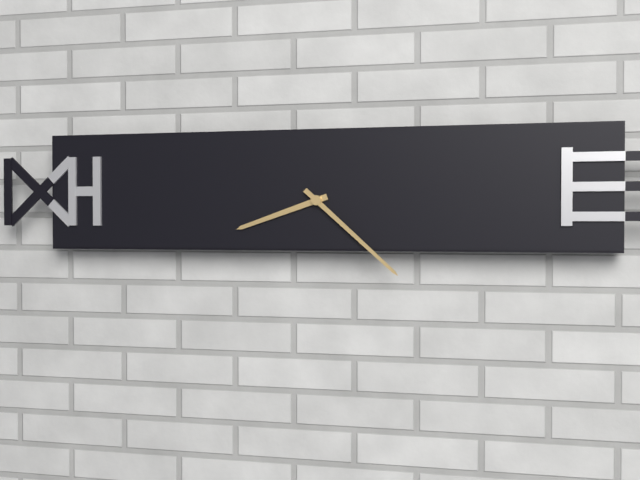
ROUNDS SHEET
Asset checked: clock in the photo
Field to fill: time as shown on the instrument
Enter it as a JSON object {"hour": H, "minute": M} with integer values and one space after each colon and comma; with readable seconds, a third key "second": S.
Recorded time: {"hour": 8, "minute": 22}
